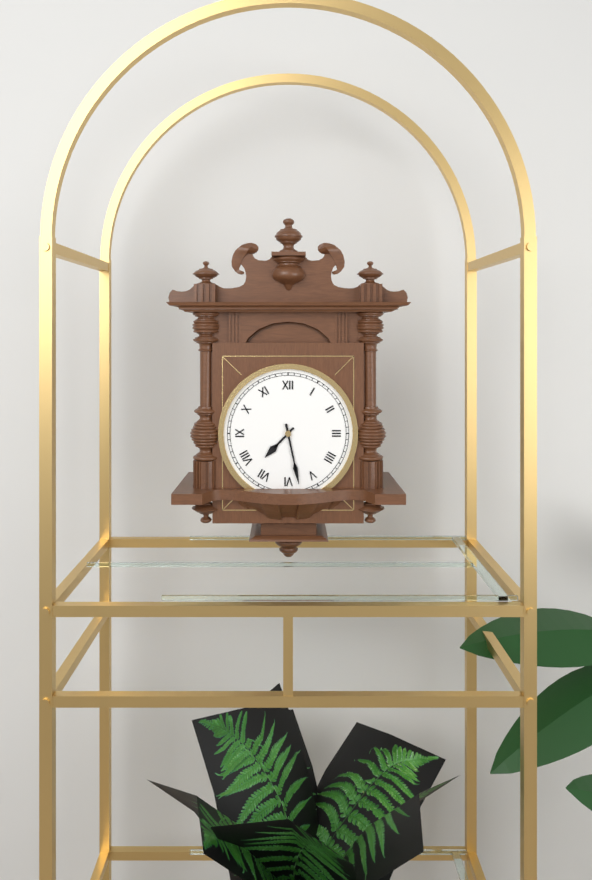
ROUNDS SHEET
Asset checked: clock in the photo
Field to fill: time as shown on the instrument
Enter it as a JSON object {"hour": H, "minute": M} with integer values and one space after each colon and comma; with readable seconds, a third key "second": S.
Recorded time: {"hour": 7, "minute": 28}
